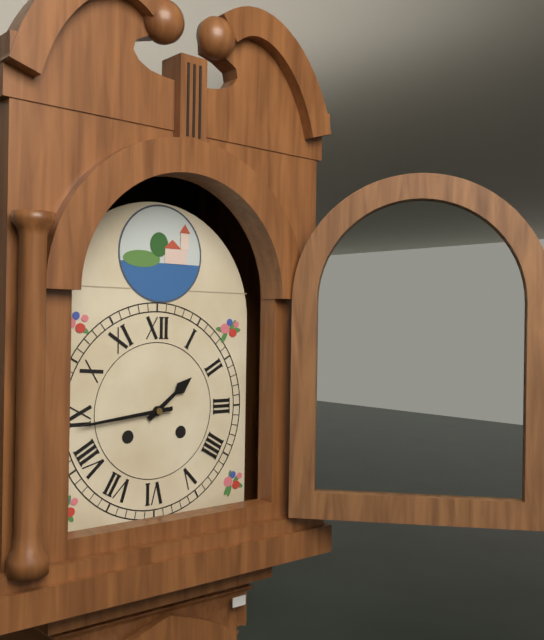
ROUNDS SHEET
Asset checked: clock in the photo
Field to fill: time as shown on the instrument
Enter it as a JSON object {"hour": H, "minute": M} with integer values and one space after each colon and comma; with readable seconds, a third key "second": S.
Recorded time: {"hour": 1, "minute": 44}
